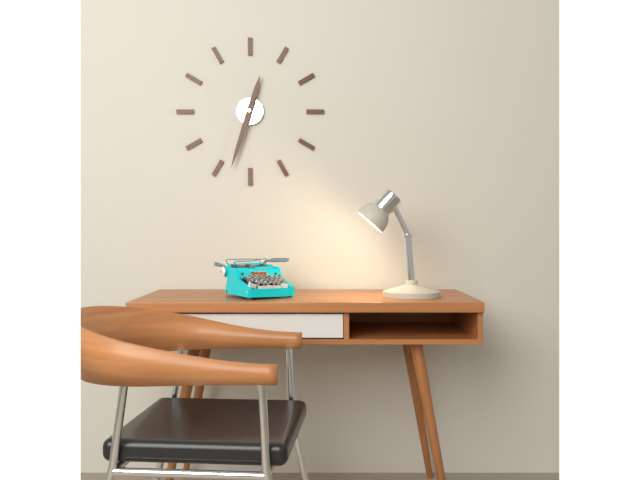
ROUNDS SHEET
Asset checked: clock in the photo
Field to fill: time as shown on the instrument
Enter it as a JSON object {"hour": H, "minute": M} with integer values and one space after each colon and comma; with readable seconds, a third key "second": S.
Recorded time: {"hour": 12, "minute": 33}
